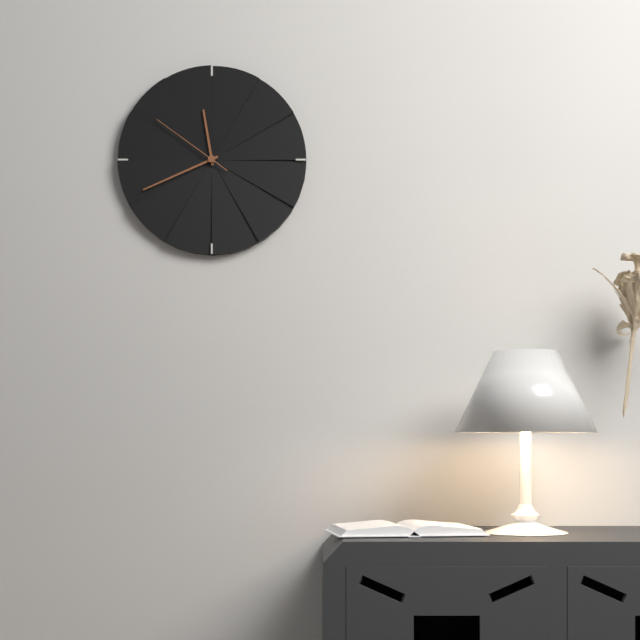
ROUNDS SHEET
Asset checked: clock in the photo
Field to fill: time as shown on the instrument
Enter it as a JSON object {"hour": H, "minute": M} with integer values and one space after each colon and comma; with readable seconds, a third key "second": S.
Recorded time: {"hour": 11, "minute": 41, "second": 51}
